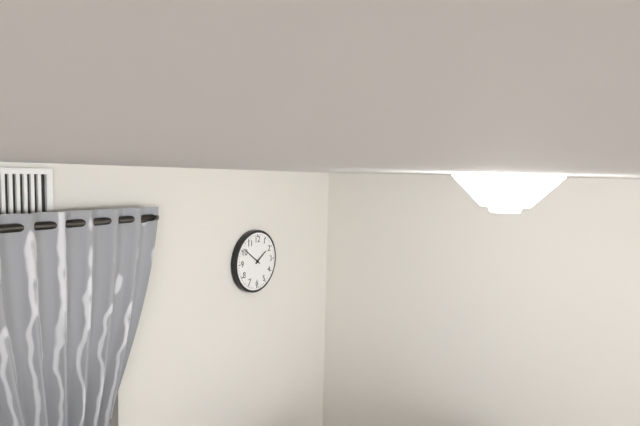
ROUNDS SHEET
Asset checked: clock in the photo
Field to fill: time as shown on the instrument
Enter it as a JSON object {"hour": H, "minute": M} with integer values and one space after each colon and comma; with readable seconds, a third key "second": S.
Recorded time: {"hour": 1, "minute": 51}
